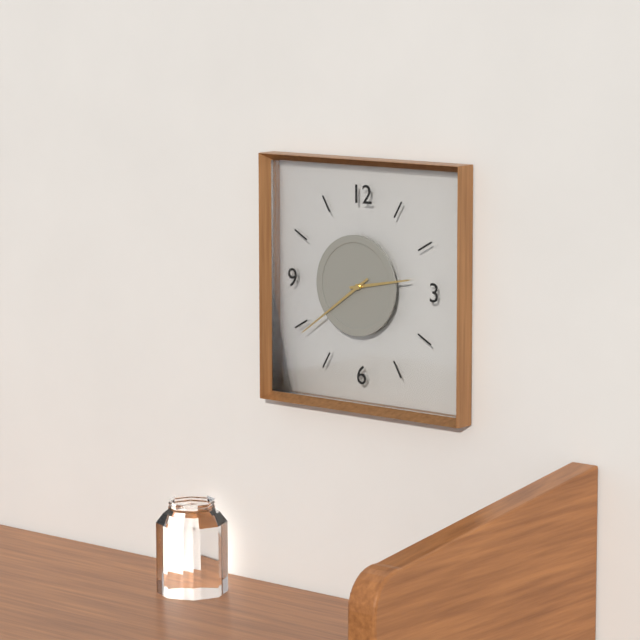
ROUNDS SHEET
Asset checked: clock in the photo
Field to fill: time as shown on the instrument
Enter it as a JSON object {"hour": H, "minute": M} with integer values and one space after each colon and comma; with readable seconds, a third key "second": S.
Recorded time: {"hour": 2, "minute": 39}
